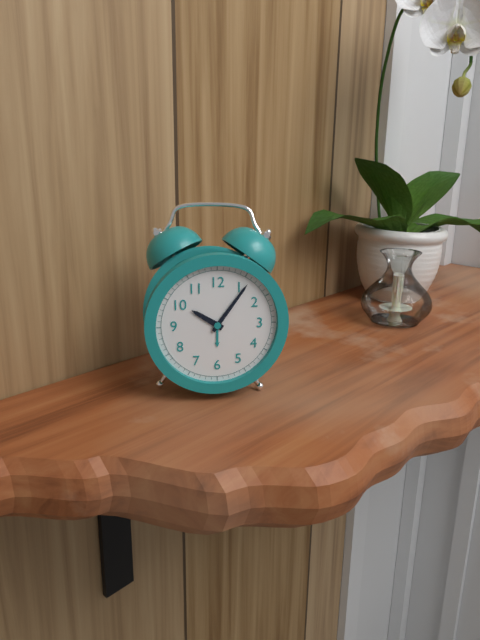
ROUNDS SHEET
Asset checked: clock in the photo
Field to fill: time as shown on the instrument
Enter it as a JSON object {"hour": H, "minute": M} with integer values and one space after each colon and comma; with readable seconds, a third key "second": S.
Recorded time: {"hour": 10, "minute": 6}
